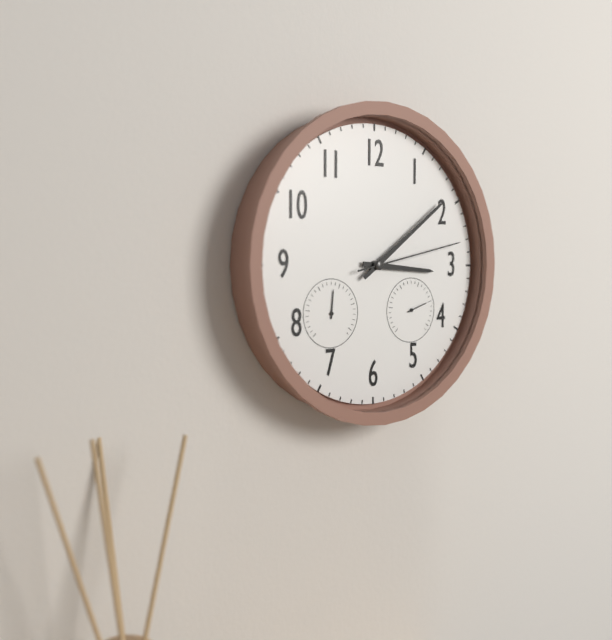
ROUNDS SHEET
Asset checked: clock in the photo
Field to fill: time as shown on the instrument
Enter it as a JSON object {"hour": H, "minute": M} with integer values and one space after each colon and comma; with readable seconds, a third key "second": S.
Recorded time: {"hour": 3, "minute": 9, "second": 13}
